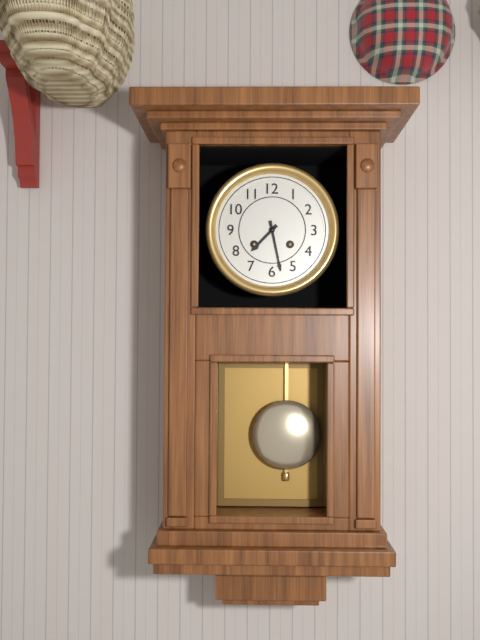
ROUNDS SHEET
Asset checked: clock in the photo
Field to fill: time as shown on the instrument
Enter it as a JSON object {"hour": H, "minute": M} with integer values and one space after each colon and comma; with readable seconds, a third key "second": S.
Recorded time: {"hour": 7, "minute": 28}
